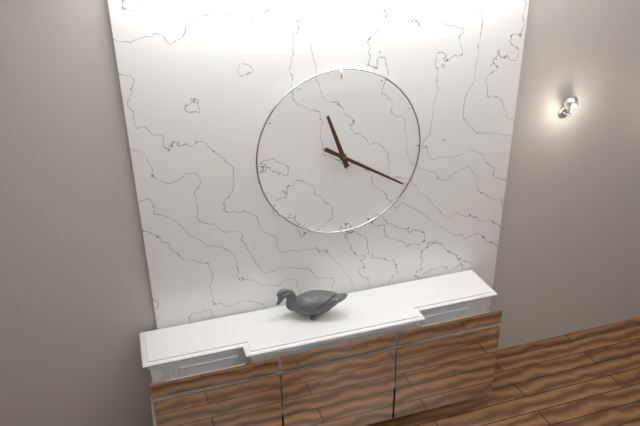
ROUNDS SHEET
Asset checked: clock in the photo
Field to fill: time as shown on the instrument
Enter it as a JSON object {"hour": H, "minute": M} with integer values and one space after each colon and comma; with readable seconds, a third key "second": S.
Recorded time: {"hour": 11, "minute": 20}
